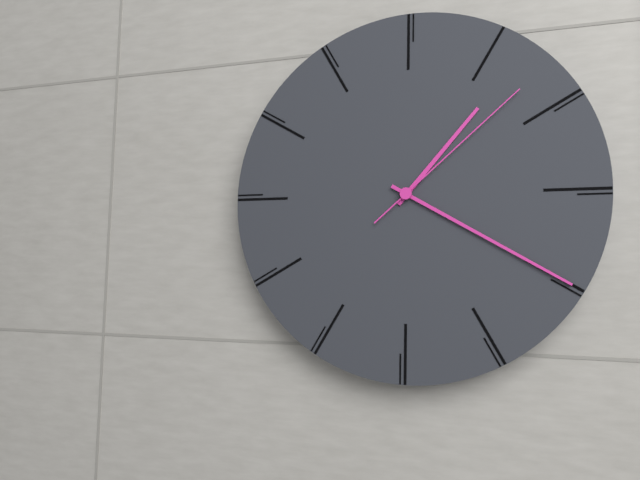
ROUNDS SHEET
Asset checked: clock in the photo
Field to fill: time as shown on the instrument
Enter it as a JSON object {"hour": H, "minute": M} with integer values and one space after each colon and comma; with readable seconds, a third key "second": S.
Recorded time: {"hour": 1, "minute": 20, "second": 8}
